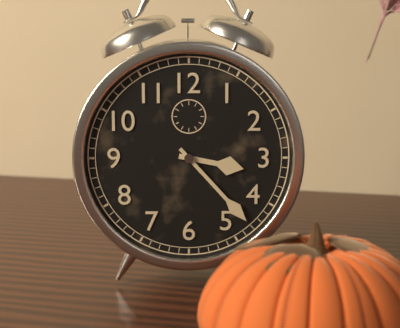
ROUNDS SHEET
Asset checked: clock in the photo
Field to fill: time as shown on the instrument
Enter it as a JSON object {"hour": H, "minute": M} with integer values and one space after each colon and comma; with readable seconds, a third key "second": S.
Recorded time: {"hour": 3, "minute": 23}
